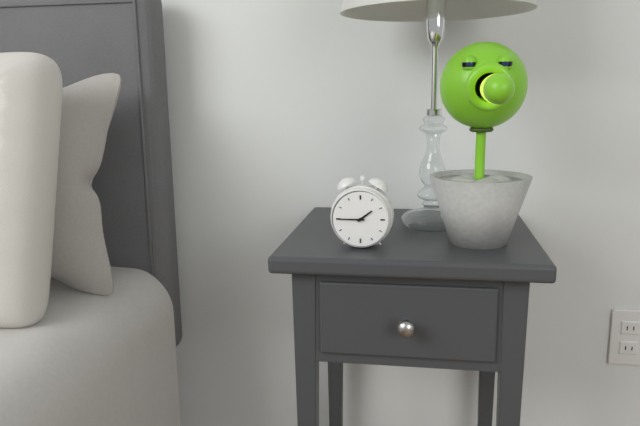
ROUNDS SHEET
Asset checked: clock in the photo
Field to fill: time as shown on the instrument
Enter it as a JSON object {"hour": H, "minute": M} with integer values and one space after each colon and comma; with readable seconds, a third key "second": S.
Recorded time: {"hour": 1, "minute": 45}
